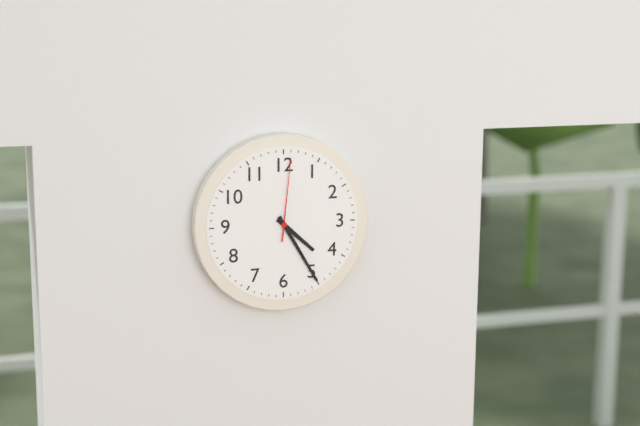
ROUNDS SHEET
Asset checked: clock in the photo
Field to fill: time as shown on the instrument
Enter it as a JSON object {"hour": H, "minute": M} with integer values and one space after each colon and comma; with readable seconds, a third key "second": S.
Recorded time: {"hour": 4, "minute": 25, "second": 1}
